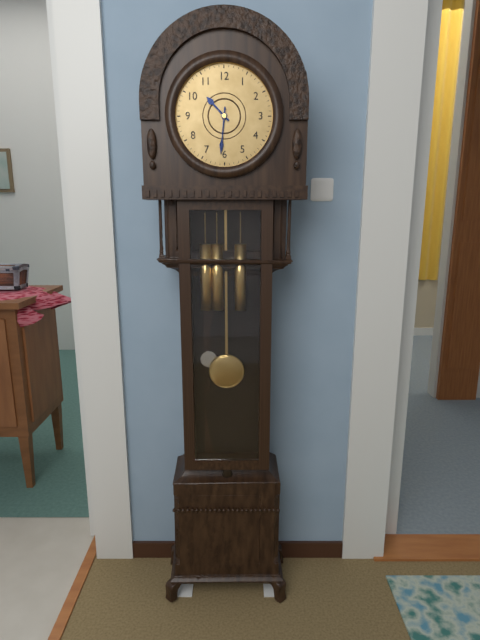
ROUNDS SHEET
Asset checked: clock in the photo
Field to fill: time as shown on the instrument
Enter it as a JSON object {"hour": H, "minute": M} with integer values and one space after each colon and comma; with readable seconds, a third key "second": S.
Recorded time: {"hour": 10, "minute": 31}
